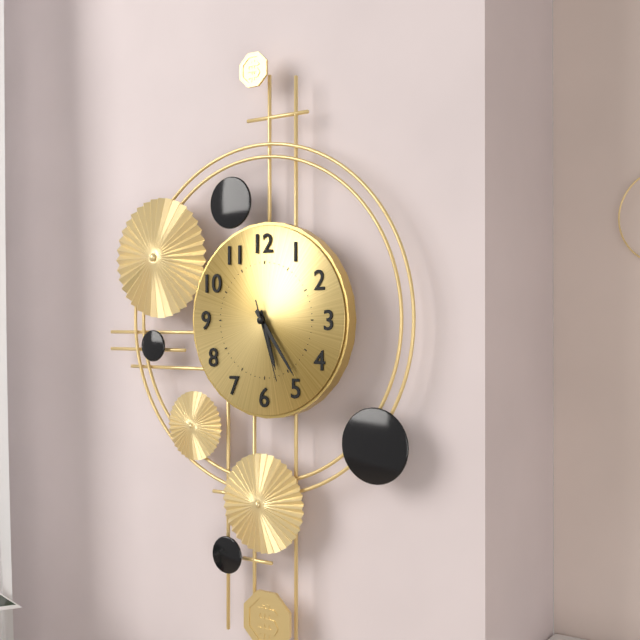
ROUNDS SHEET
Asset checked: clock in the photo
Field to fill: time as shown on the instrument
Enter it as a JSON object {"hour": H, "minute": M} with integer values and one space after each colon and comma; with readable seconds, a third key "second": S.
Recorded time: {"hour": 5, "minute": 24, "second": 27}
